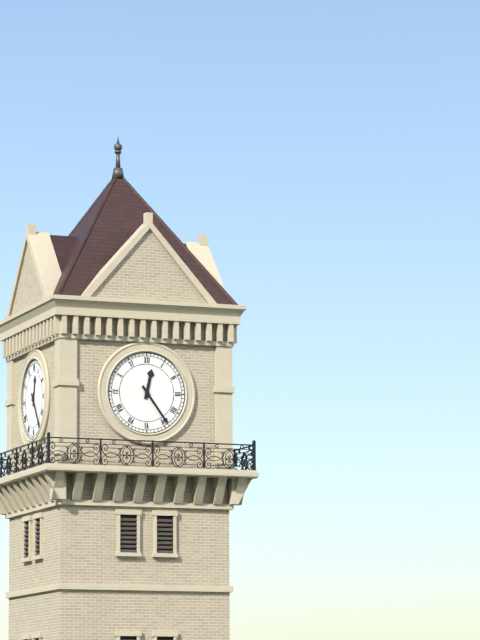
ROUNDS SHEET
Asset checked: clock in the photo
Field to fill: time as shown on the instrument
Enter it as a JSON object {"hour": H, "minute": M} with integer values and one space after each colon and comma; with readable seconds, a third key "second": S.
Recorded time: {"hour": 12, "minute": 24}
